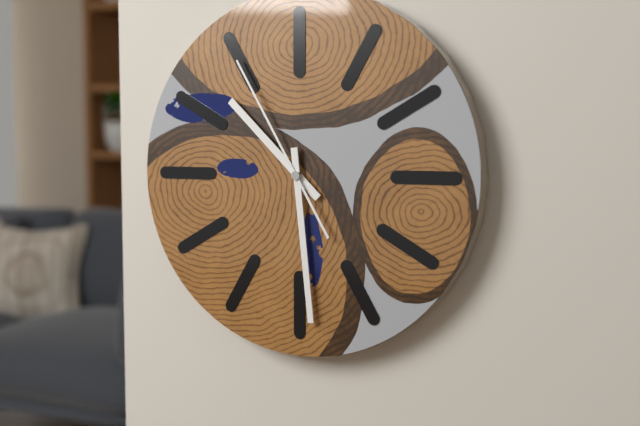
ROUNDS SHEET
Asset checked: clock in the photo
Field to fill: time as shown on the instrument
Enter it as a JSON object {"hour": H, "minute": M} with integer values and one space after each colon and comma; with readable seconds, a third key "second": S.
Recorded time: {"hour": 10, "minute": 29, "second": 55}
